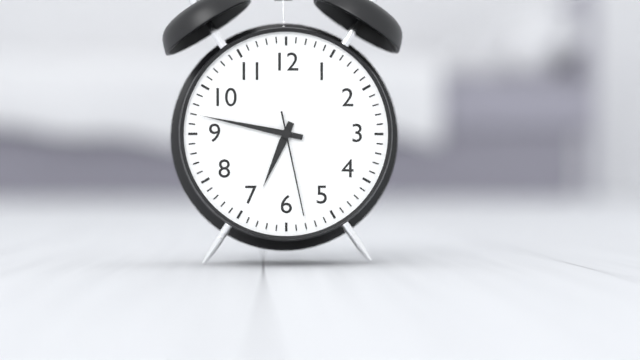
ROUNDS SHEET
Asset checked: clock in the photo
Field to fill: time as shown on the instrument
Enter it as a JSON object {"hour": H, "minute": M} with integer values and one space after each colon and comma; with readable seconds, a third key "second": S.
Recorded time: {"hour": 6, "minute": 47, "second": 28}
